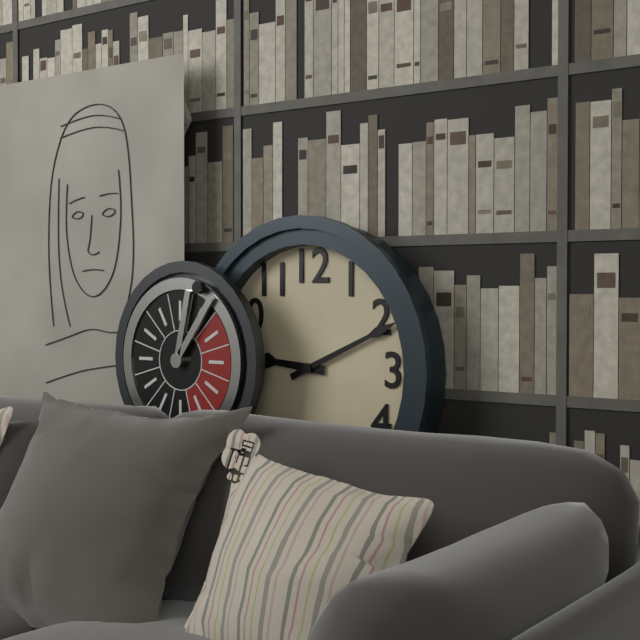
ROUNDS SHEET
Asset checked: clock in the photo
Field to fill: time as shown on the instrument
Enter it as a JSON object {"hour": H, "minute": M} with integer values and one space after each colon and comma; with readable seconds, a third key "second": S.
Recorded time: {"hour": 9, "minute": 11}
